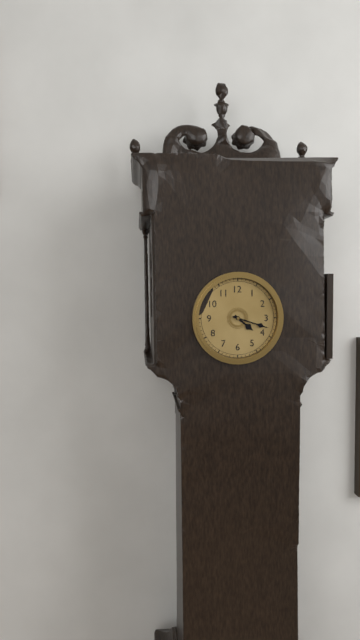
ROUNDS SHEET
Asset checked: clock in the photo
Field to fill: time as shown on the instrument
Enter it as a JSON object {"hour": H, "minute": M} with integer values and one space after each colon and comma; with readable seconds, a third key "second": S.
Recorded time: {"hour": 4, "minute": 18}
